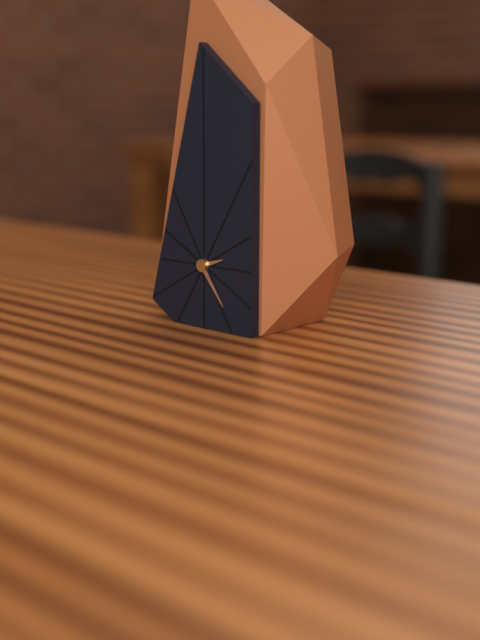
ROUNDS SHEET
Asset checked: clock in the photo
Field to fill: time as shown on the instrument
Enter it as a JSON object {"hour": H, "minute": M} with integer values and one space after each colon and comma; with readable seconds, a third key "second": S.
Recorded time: {"hour": 2, "minute": 24}
